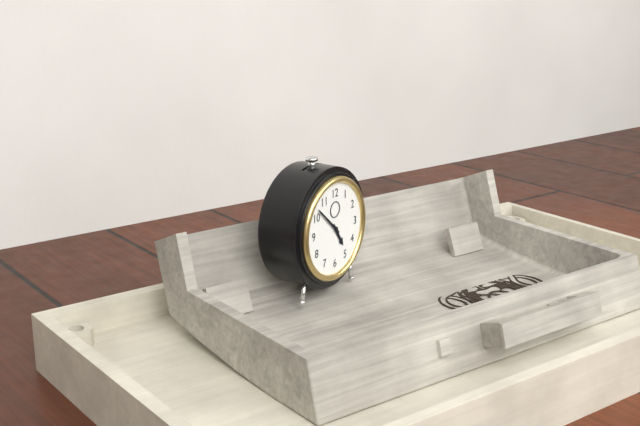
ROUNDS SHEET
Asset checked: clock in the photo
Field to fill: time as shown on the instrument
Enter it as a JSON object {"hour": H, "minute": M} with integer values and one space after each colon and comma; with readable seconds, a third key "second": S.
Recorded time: {"hour": 4, "minute": 52}
